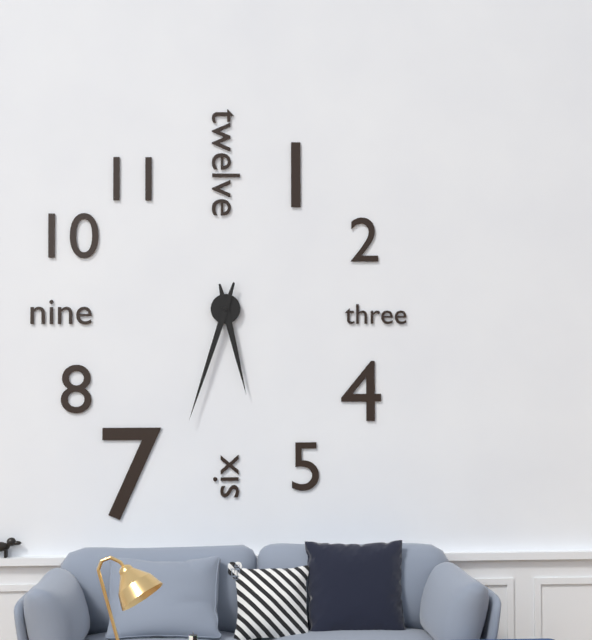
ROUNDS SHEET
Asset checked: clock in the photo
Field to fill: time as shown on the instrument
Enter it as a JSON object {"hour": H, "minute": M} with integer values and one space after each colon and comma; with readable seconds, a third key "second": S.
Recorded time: {"hour": 5, "minute": 33}
